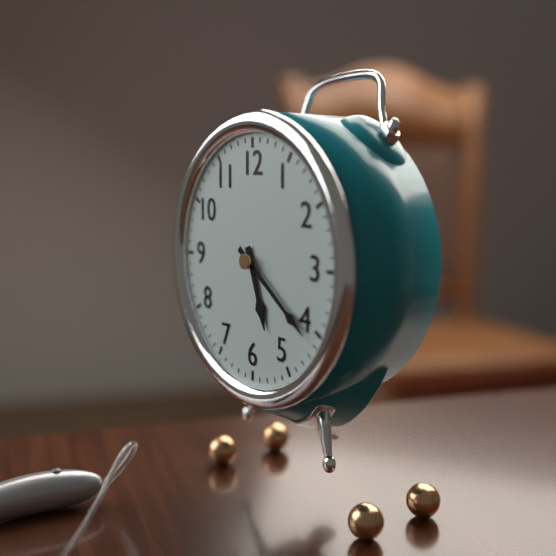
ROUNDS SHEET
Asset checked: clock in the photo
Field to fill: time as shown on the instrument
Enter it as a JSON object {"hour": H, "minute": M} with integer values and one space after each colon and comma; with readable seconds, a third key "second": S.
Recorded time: {"hour": 5, "minute": 21}
